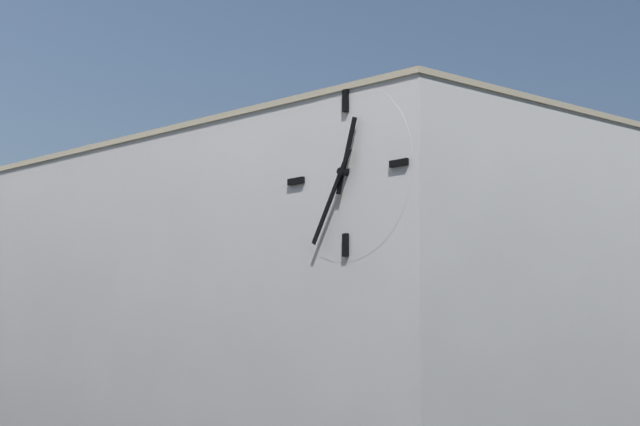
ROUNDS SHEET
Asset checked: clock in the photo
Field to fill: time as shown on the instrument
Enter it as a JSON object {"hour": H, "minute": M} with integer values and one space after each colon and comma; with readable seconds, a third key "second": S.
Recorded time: {"hour": 12, "minute": 35}
